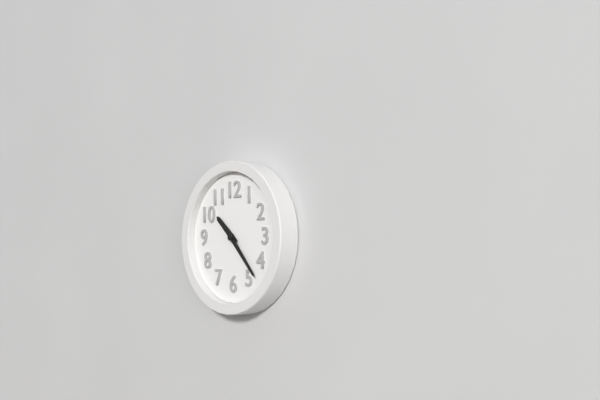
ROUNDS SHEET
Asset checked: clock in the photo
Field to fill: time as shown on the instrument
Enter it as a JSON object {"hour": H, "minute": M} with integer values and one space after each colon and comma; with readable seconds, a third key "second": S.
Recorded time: {"hour": 10, "minute": 23}
